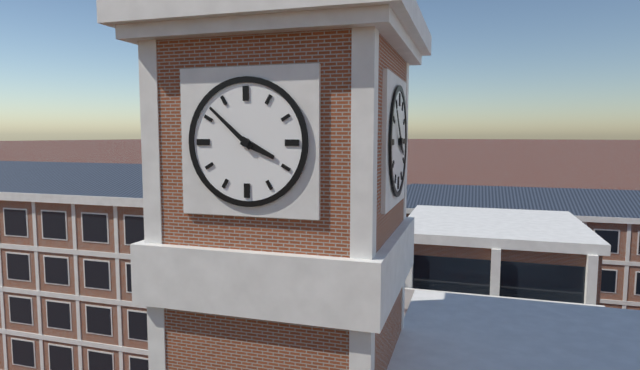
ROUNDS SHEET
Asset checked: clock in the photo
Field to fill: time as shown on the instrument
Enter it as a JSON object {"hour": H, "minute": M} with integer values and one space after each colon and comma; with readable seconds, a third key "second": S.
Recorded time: {"hour": 3, "minute": 52}
